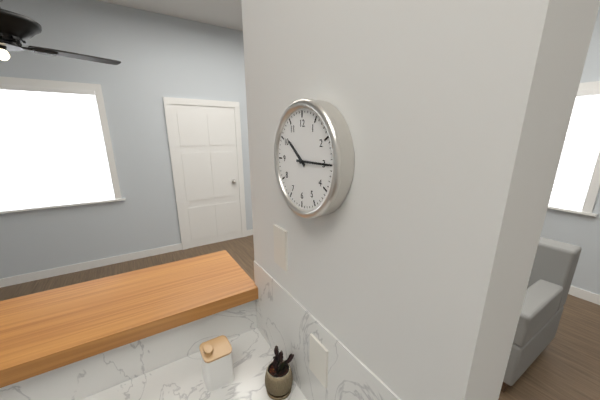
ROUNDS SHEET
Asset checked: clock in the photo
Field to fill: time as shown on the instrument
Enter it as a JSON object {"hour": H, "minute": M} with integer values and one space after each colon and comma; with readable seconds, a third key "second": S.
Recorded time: {"hour": 10, "minute": 15}
